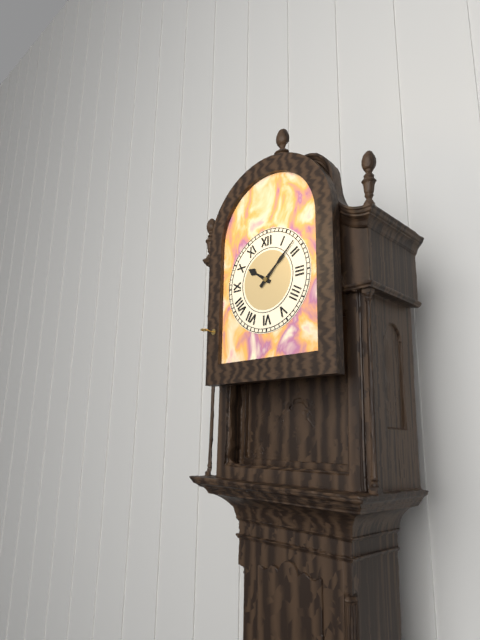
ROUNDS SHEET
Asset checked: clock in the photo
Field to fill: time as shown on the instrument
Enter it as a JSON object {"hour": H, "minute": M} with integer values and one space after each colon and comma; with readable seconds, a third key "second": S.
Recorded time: {"hour": 10, "minute": 8}
